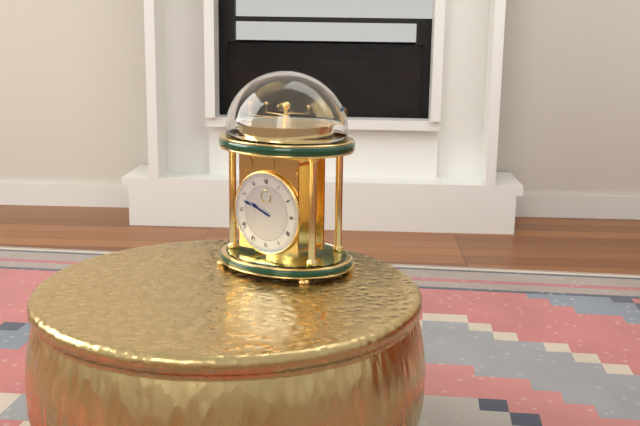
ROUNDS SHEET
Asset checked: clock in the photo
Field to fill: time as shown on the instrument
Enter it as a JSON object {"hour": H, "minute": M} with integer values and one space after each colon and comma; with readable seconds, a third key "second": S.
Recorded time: {"hour": 9, "minute": 48}
